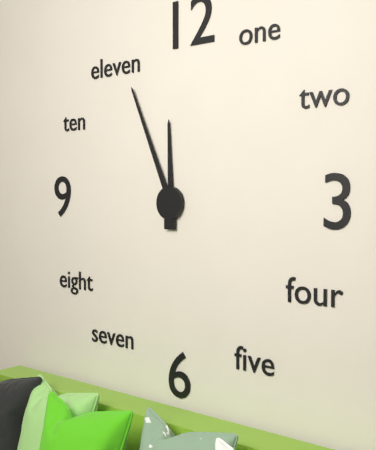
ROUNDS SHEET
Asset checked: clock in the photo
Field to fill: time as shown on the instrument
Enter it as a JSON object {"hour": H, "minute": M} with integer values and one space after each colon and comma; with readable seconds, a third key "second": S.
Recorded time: {"hour": 11, "minute": 56}
